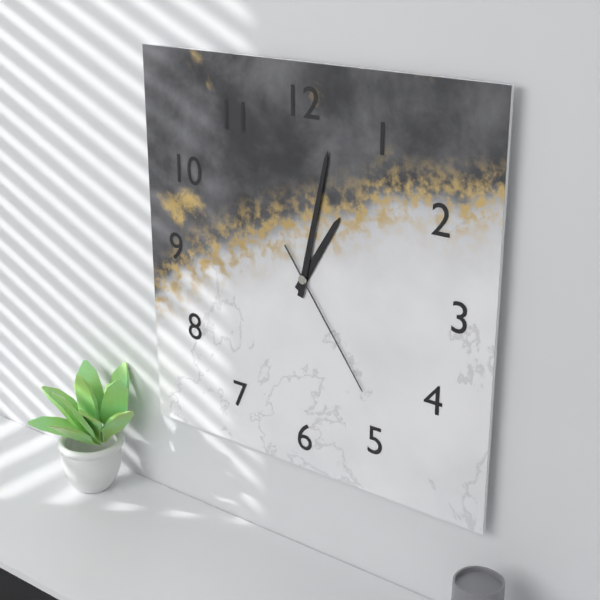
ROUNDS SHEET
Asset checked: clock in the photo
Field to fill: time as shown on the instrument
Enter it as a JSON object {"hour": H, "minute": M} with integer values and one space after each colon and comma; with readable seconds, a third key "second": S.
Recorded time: {"hour": 1, "minute": 2, "second": 24}
